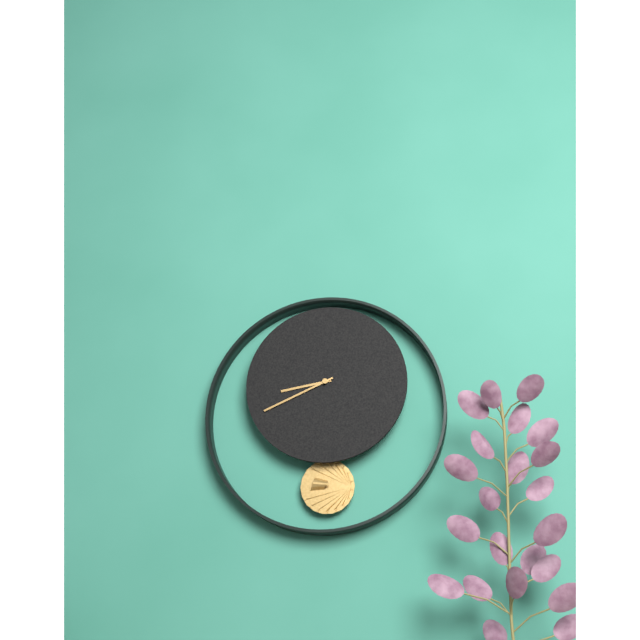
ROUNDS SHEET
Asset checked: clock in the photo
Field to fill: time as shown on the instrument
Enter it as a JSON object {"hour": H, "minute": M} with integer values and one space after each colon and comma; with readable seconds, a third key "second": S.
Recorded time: {"hour": 8, "minute": 41}
